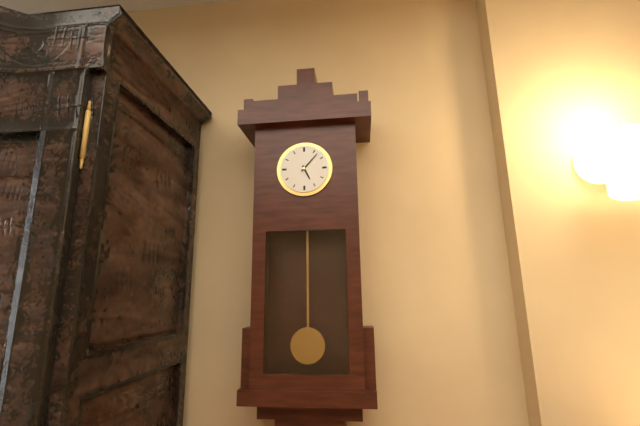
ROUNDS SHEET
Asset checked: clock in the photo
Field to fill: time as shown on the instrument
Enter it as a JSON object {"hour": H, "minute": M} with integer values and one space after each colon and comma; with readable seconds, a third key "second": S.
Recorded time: {"hour": 5, "minute": 7}
